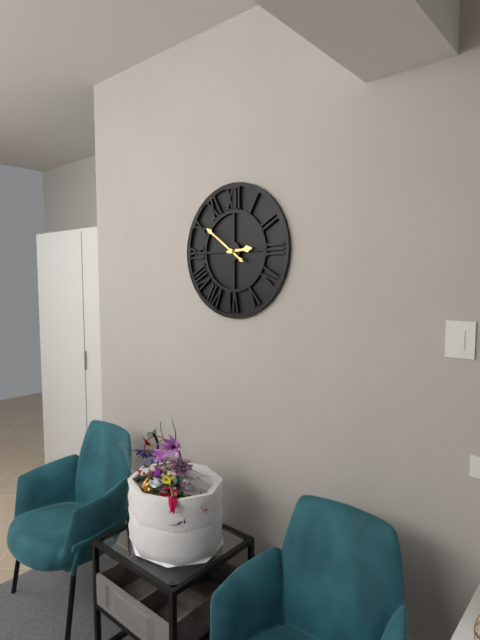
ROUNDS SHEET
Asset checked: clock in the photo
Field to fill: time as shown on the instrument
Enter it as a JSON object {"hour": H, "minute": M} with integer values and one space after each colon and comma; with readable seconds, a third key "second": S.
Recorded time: {"hour": 2, "minute": 51}
